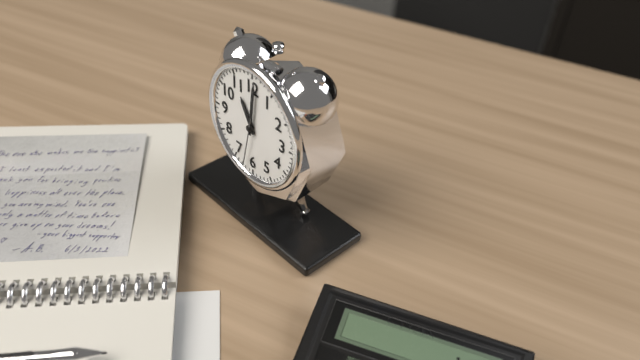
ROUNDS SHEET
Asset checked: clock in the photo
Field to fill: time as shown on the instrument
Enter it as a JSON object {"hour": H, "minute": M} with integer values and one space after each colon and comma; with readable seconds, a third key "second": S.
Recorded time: {"hour": 11, "minute": 1, "second": 32}
